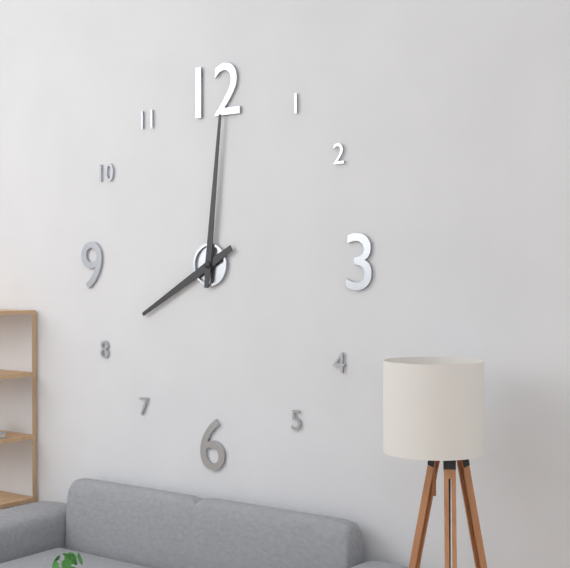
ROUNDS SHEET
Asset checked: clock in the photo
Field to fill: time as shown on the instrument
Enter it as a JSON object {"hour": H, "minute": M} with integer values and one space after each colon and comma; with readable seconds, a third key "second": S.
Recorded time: {"hour": 8, "minute": 1}
